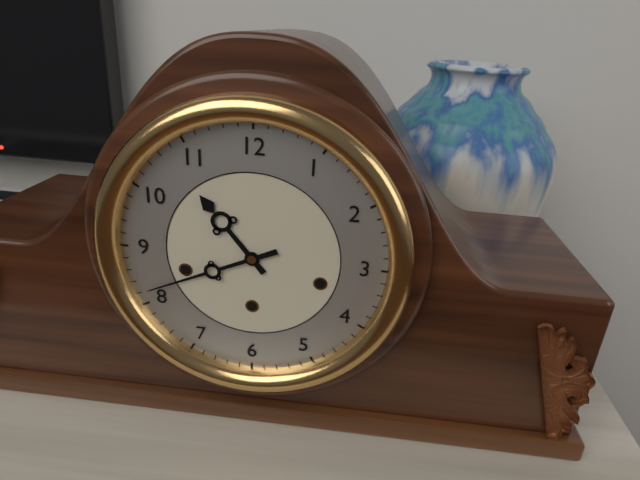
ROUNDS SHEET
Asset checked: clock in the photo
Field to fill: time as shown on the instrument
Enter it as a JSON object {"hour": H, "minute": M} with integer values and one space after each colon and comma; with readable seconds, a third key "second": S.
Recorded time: {"hour": 10, "minute": 41}
